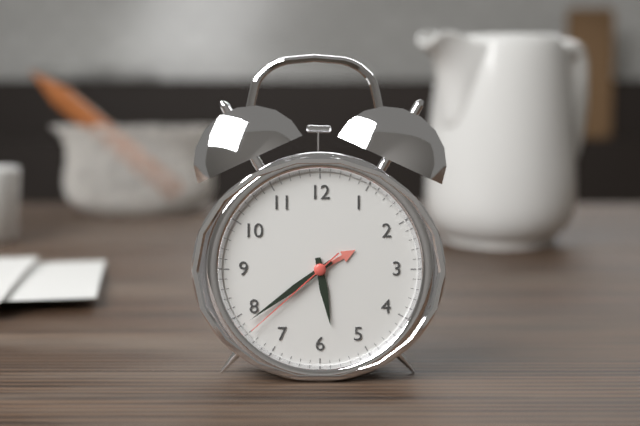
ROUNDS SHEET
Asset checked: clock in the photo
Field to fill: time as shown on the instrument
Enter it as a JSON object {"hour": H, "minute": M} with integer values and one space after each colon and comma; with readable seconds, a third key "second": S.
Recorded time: {"hour": 5, "minute": 39, "second": 38}
